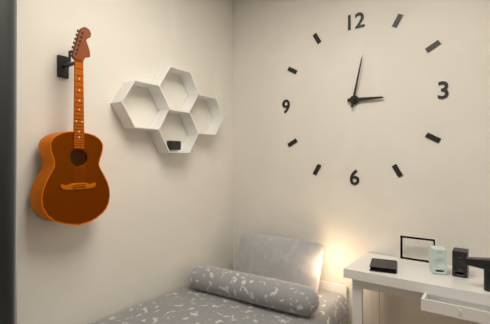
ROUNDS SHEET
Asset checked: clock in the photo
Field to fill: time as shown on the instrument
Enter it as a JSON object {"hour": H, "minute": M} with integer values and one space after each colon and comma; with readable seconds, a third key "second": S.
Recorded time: {"hour": 3, "minute": 2}
